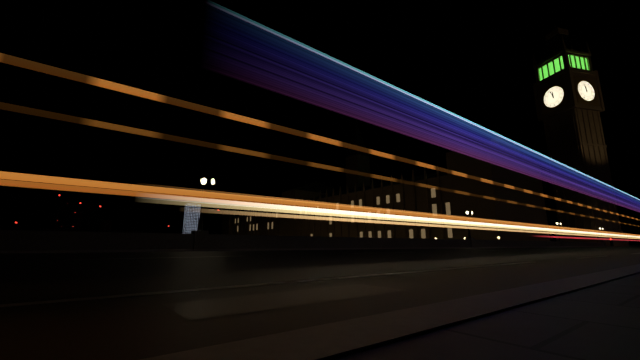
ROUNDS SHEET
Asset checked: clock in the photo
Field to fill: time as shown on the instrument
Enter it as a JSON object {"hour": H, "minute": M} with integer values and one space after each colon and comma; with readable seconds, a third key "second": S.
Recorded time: {"hour": 11, "minute": 57}
